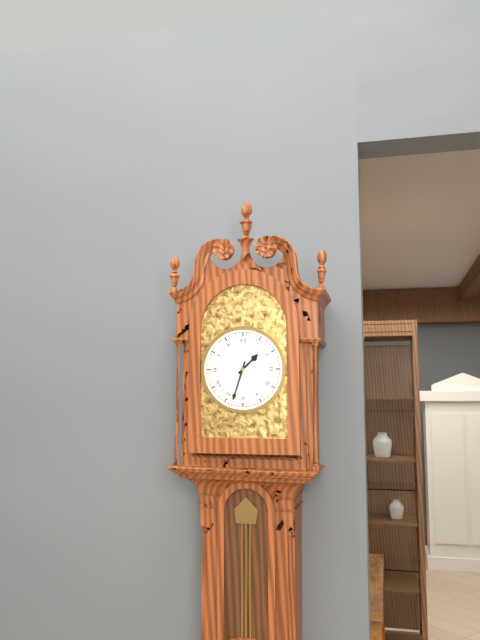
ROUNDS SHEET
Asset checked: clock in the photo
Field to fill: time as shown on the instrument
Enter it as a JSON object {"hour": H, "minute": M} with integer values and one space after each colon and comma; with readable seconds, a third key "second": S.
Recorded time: {"hour": 1, "minute": 33}
